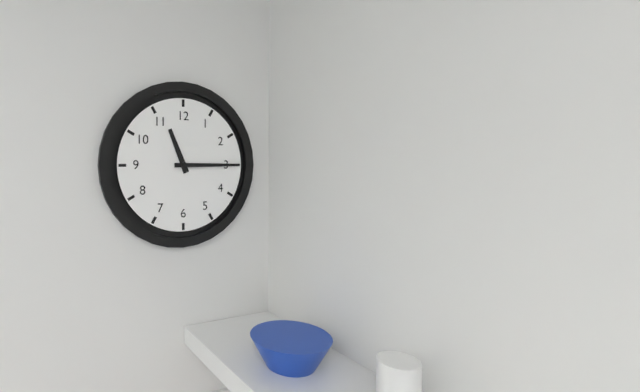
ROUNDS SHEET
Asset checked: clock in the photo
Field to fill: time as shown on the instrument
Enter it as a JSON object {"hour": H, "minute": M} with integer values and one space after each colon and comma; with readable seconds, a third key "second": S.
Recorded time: {"hour": 11, "minute": 15}
